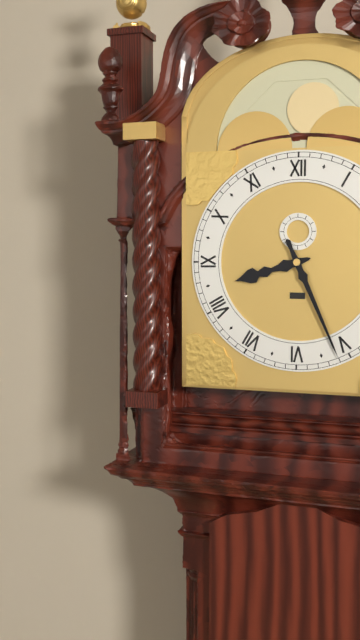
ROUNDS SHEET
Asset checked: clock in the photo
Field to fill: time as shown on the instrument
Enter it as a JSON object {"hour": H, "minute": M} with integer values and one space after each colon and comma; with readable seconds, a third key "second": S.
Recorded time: {"hour": 8, "minute": 26}
